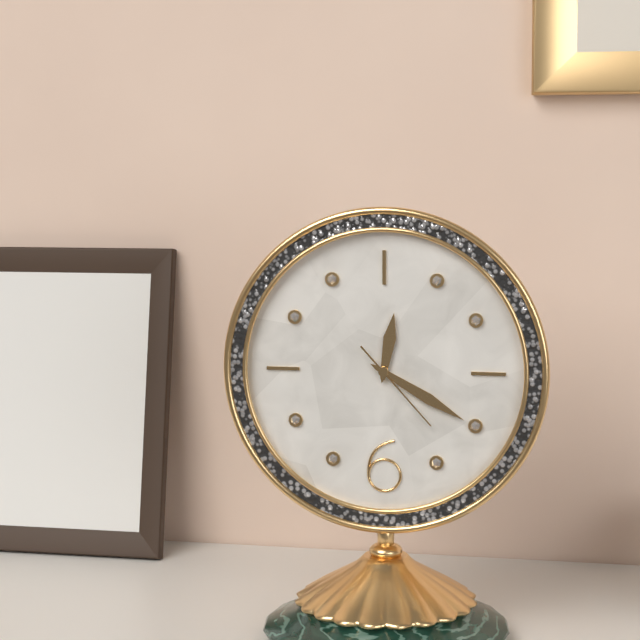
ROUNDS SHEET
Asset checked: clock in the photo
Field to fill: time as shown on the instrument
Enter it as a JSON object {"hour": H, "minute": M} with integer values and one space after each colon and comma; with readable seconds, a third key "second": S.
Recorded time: {"hour": 12, "minute": 20, "second": 23}
